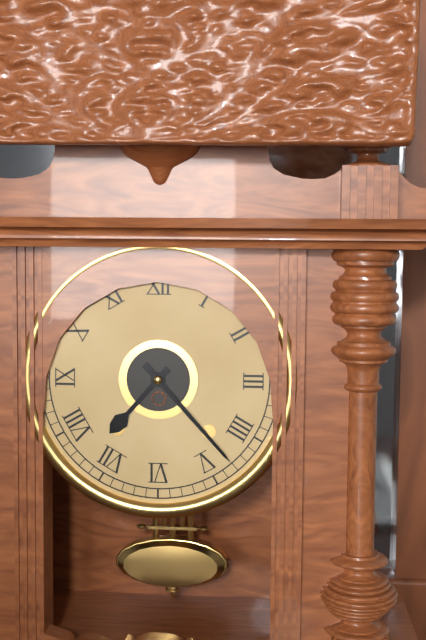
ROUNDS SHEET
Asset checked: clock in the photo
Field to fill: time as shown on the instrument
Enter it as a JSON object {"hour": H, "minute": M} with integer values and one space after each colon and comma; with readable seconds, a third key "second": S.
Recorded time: {"hour": 7, "minute": 23}
